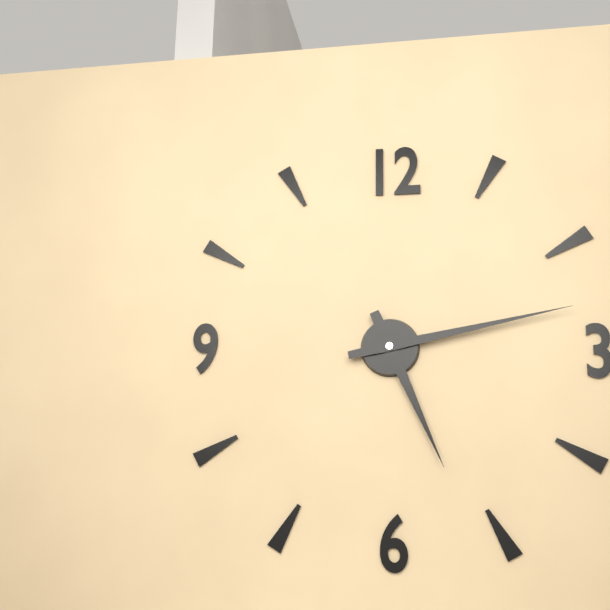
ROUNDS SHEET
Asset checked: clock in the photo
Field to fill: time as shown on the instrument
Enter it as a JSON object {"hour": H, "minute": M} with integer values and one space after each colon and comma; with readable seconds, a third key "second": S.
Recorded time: {"hour": 5, "minute": 13}
